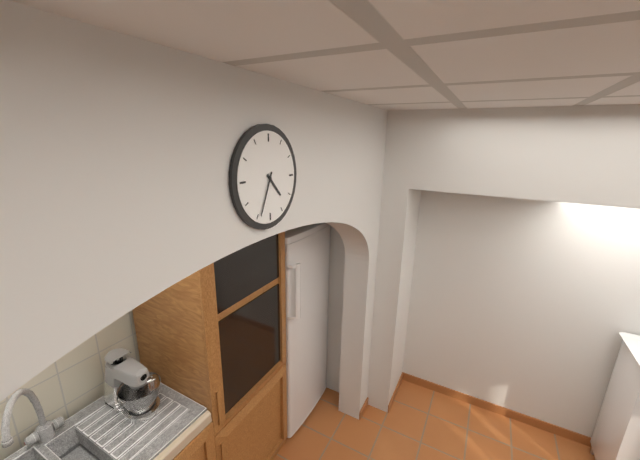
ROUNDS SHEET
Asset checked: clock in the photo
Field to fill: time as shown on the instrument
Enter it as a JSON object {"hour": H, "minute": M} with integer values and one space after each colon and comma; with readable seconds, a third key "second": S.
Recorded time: {"hour": 4, "minute": 34}
